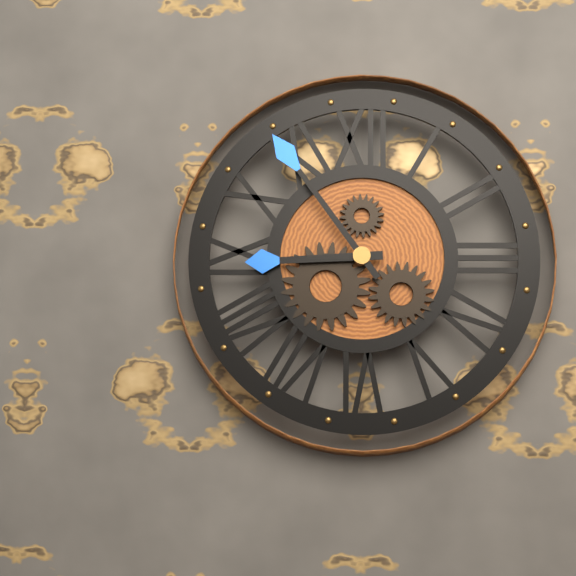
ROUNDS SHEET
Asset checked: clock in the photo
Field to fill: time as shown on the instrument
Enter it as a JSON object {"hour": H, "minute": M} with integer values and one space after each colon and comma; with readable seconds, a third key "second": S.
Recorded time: {"hour": 8, "minute": 54}
